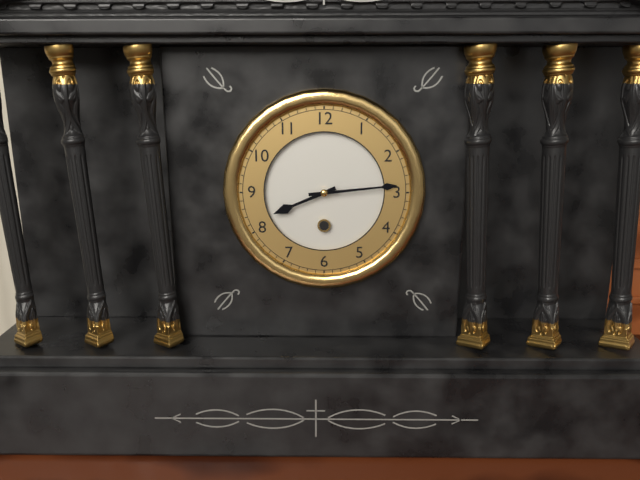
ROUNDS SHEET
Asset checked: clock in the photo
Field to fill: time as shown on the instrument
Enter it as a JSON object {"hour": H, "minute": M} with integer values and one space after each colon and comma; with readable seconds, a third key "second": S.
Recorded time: {"hour": 8, "minute": 14}
